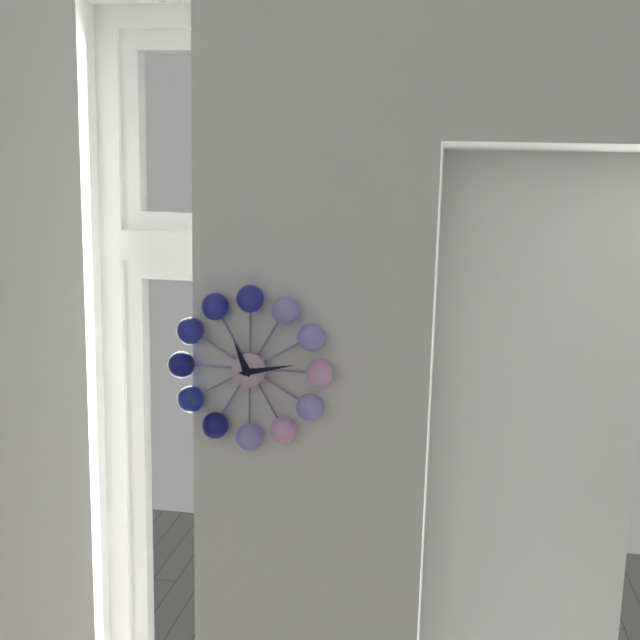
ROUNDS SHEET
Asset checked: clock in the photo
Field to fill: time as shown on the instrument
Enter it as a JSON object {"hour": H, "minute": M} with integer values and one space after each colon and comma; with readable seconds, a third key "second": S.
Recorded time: {"hour": 11, "minute": 13}
